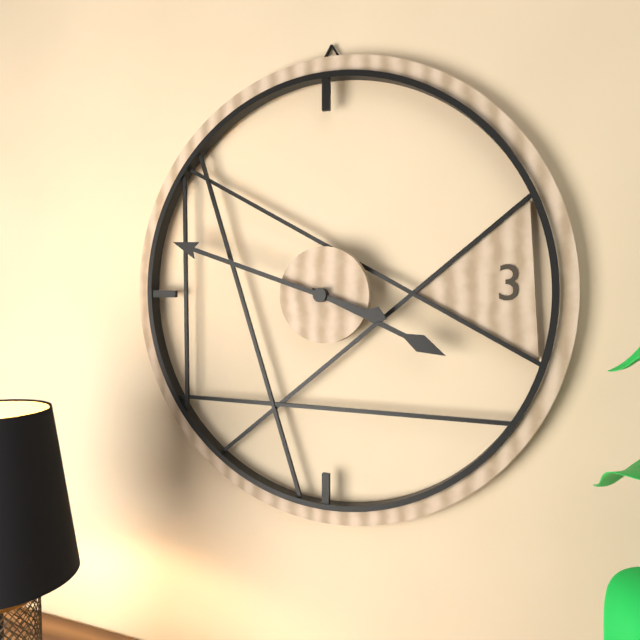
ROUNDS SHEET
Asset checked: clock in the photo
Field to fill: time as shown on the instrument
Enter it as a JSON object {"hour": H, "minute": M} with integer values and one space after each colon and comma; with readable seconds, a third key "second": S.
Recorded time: {"hour": 3, "minute": 48}
